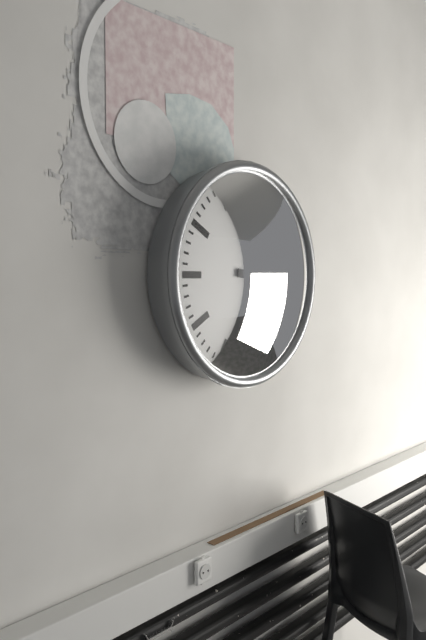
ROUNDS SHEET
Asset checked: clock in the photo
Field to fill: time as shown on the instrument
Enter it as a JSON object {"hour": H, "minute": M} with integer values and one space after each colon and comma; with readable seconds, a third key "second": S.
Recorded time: {"hour": 12, "minute": 16}
